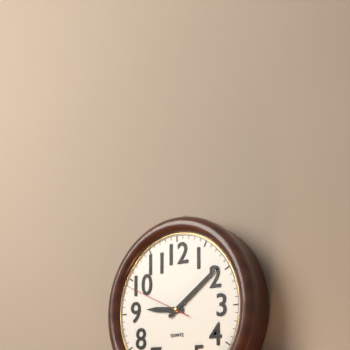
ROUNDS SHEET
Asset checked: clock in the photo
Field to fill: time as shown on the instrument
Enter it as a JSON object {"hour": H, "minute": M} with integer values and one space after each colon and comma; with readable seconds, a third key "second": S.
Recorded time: {"hour": 9, "minute": 9, "second": 49}
